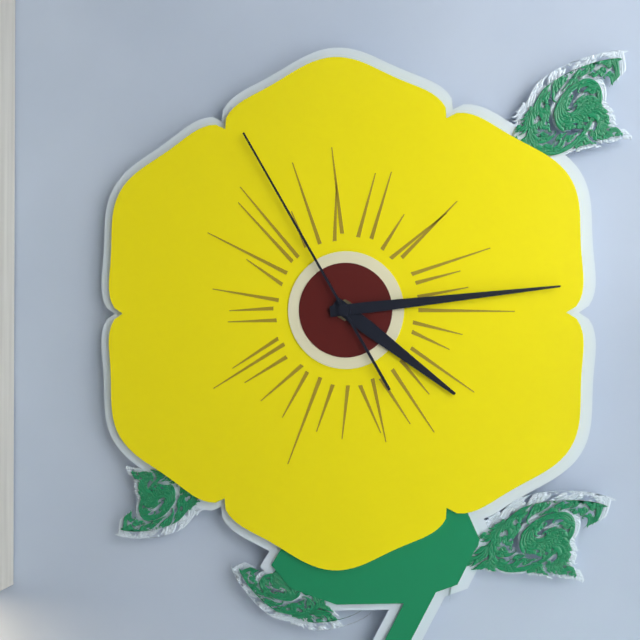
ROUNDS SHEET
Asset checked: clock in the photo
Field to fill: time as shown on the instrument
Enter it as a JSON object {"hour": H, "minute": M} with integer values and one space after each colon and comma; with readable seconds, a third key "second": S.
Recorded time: {"hour": 4, "minute": 14, "second": 55}
